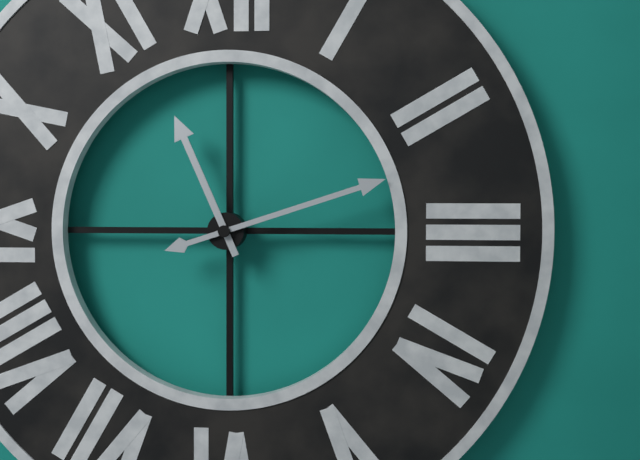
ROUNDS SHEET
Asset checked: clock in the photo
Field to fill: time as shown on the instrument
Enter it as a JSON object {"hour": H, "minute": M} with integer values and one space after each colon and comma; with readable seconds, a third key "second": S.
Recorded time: {"hour": 11, "minute": 12}
